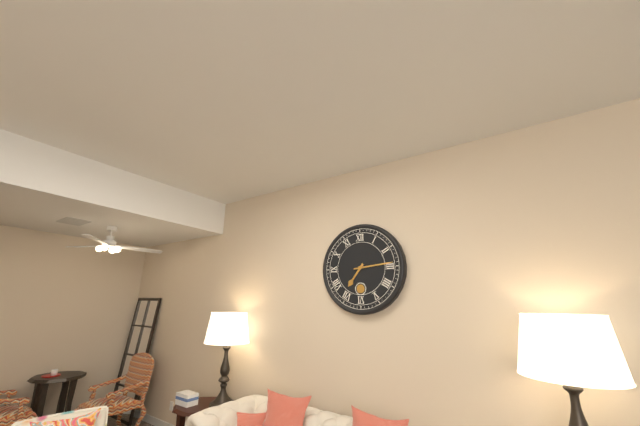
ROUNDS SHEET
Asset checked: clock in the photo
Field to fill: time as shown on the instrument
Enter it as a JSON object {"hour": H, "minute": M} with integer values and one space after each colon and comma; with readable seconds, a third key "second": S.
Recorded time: {"hour": 7, "minute": 14}
